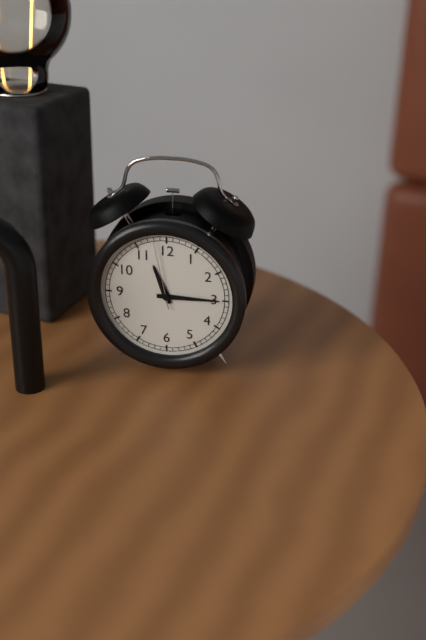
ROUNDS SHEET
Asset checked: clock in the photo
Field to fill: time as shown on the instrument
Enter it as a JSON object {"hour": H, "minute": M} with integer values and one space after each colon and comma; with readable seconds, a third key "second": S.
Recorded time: {"hour": 11, "minute": 15, "second": 58}
